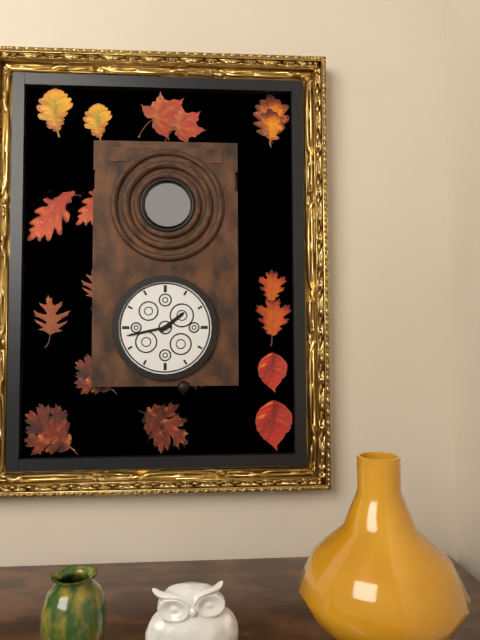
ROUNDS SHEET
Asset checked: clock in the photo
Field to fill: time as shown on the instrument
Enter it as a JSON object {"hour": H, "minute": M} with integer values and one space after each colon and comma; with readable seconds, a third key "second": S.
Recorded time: {"hour": 1, "minute": 43}
